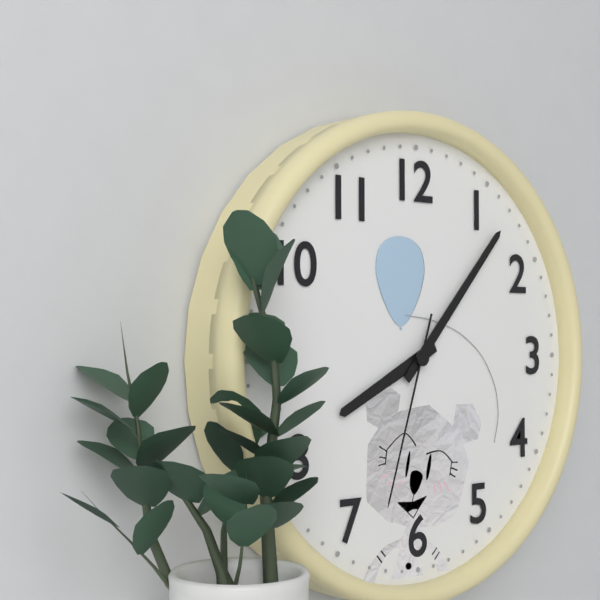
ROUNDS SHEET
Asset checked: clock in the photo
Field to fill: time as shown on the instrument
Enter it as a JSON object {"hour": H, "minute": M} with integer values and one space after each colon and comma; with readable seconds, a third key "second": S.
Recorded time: {"hour": 8, "minute": 7, "second": 33}
